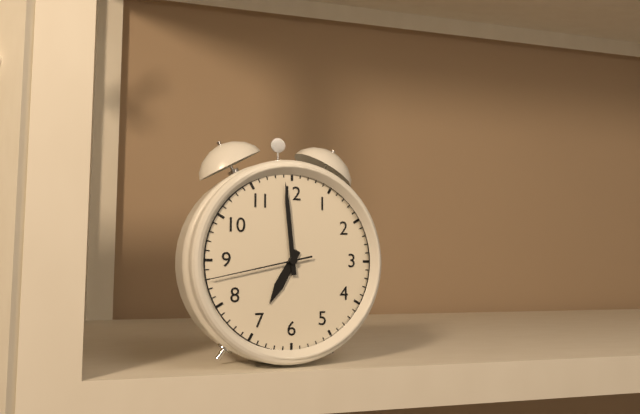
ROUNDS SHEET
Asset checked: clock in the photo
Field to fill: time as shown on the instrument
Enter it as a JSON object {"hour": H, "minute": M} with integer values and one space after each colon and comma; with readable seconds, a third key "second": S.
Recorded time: {"hour": 6, "minute": 59, "second": 43}
